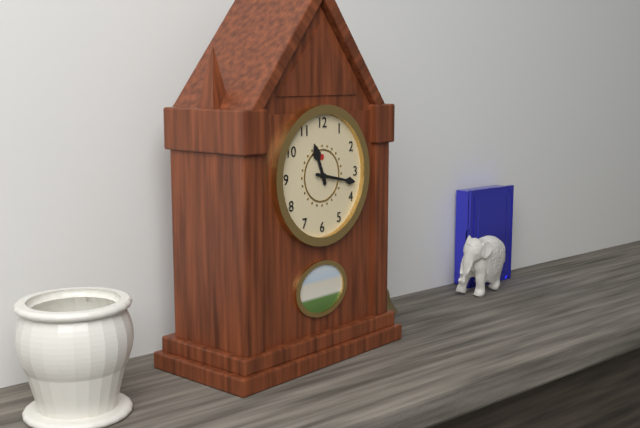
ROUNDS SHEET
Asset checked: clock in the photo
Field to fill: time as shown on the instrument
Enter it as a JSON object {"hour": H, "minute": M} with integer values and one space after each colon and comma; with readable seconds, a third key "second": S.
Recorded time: {"hour": 11, "minute": 17}
